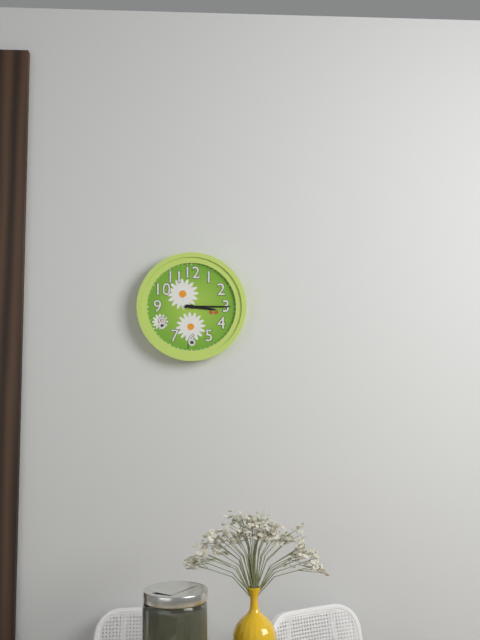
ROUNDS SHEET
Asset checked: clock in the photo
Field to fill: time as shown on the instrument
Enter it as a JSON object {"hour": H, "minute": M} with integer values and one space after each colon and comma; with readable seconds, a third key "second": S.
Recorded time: {"hour": 3, "minute": 15}
